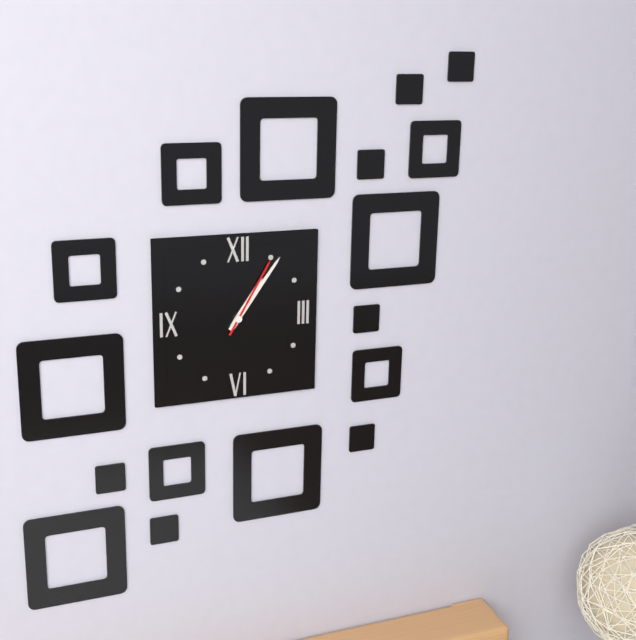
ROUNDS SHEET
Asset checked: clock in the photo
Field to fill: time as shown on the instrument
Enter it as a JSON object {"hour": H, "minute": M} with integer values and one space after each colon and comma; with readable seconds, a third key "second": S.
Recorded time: {"hour": 1, "minute": 6, "second": 5}
